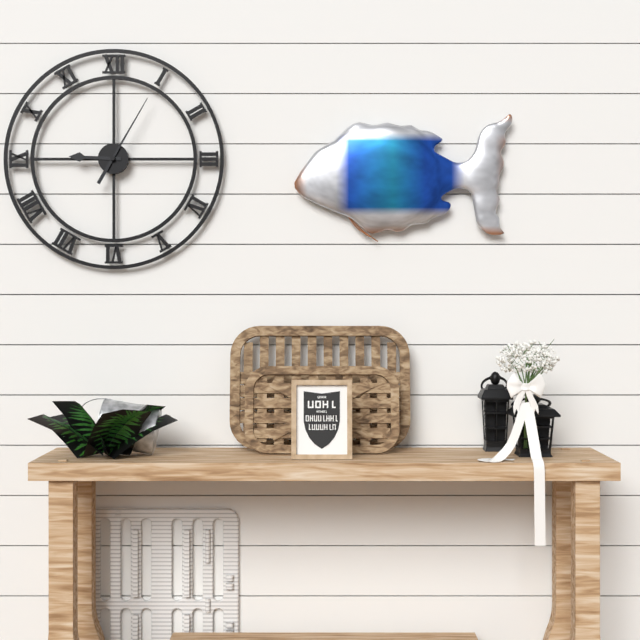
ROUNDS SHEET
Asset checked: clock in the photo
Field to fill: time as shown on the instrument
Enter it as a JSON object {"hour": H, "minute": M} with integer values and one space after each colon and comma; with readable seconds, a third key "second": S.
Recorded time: {"hour": 9, "minute": 5}
